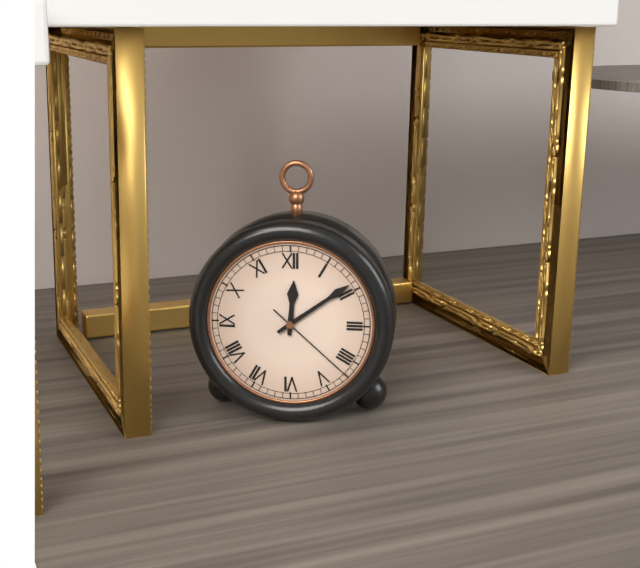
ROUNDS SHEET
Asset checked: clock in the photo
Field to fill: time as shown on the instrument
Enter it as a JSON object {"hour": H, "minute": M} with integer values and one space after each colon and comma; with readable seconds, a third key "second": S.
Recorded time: {"hour": 12, "minute": 9, "second": 22}
